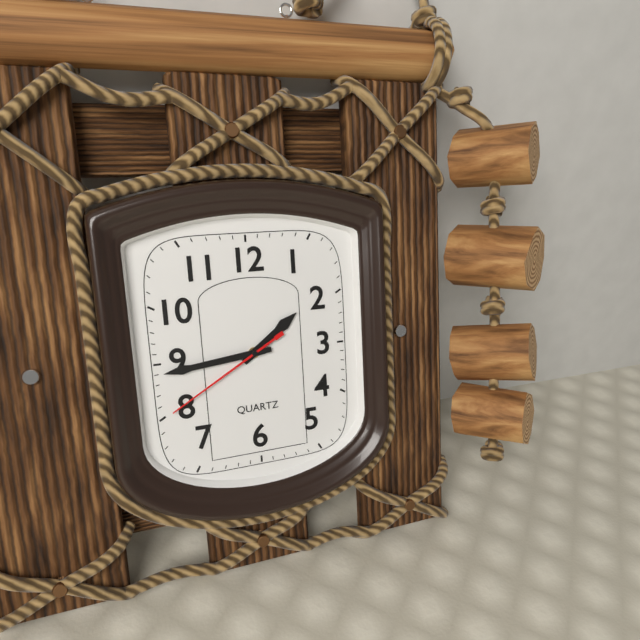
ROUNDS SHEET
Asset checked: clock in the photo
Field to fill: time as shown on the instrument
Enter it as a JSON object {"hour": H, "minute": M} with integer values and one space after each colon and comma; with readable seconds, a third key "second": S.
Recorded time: {"hour": 1, "minute": 44, "second": 40}
